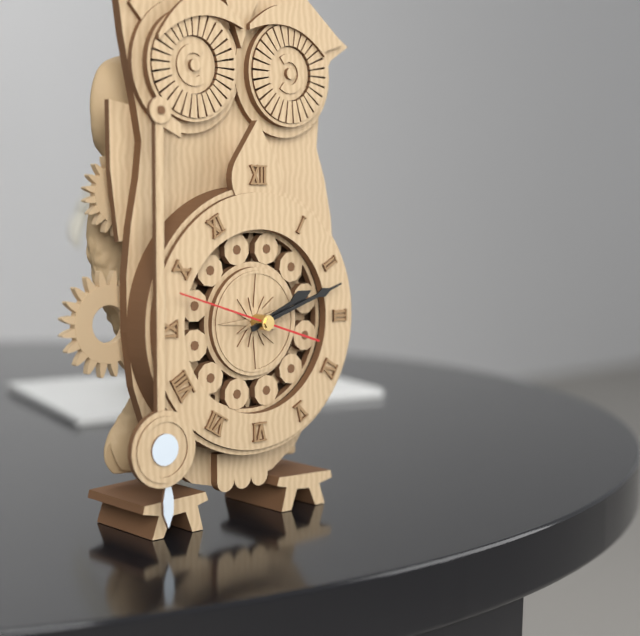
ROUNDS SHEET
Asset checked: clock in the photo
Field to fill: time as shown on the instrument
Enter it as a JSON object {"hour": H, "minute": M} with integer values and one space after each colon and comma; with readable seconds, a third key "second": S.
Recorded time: {"hour": 2, "minute": 12, "second": 48}
